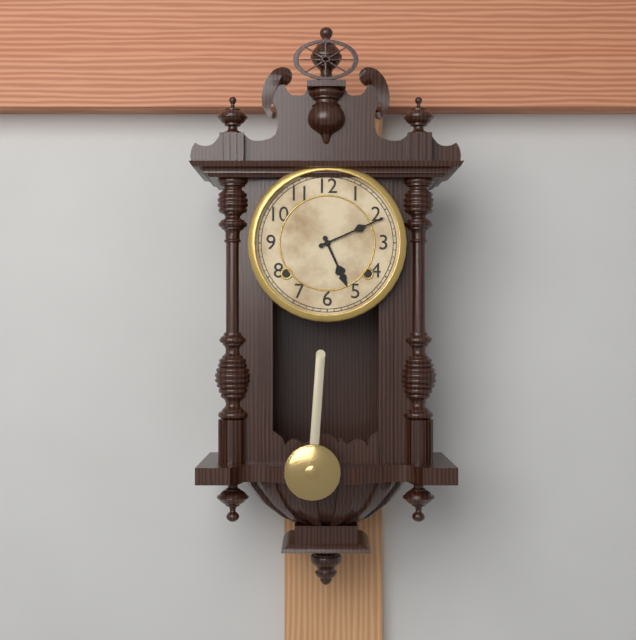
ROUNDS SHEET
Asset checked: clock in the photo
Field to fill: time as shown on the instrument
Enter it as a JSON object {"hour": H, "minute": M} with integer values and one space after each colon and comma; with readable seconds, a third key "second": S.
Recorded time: {"hour": 5, "minute": 11}
